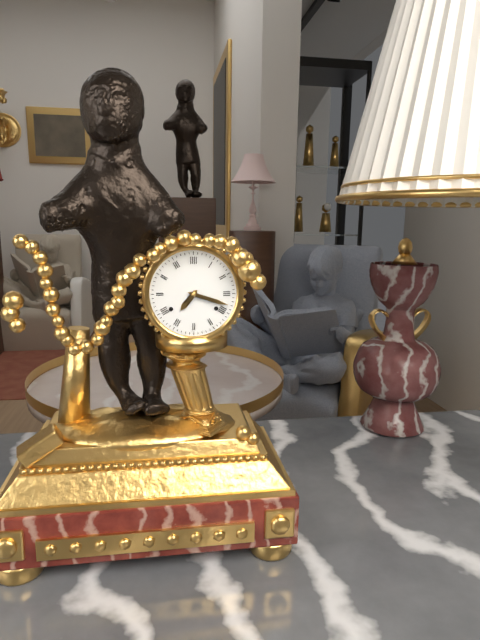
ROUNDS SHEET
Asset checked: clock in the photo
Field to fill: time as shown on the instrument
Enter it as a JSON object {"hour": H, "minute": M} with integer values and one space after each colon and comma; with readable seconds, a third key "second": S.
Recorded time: {"hour": 7, "minute": 18}
